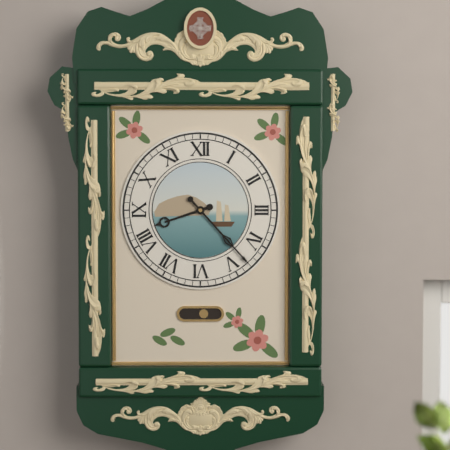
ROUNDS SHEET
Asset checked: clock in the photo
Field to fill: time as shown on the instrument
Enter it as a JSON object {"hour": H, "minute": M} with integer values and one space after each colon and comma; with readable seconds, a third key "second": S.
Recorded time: {"hour": 8, "minute": 23}
